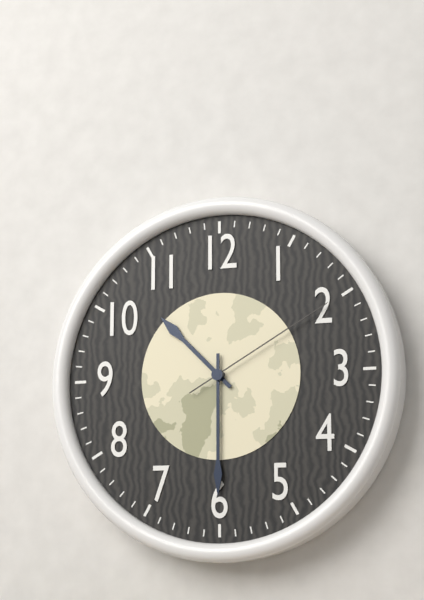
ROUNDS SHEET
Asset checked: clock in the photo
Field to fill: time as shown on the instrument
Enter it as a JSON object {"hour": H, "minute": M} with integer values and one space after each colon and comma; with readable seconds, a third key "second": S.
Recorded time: {"hour": 10, "minute": 30, "second": 10}
